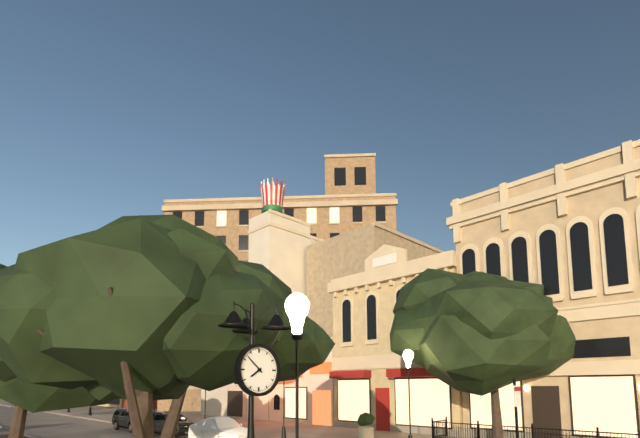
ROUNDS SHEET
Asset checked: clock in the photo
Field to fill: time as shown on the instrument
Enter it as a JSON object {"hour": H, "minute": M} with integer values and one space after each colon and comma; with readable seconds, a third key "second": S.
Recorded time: {"hour": 7, "minute": 52}
